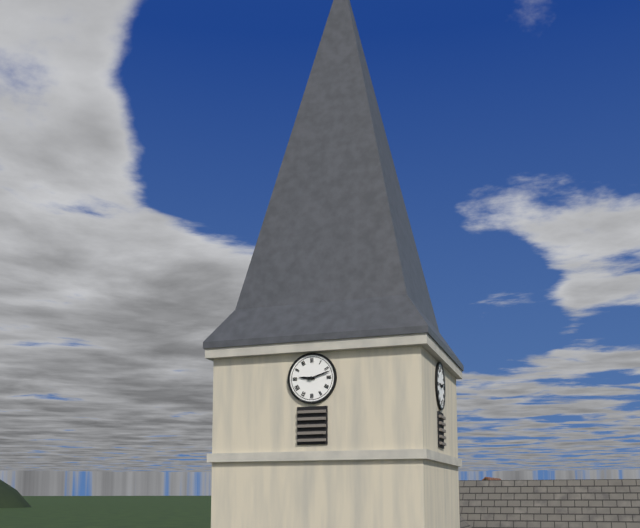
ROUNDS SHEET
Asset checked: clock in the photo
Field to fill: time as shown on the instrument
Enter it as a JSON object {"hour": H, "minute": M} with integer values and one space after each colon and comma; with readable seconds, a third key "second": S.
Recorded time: {"hour": 9, "minute": 12}
